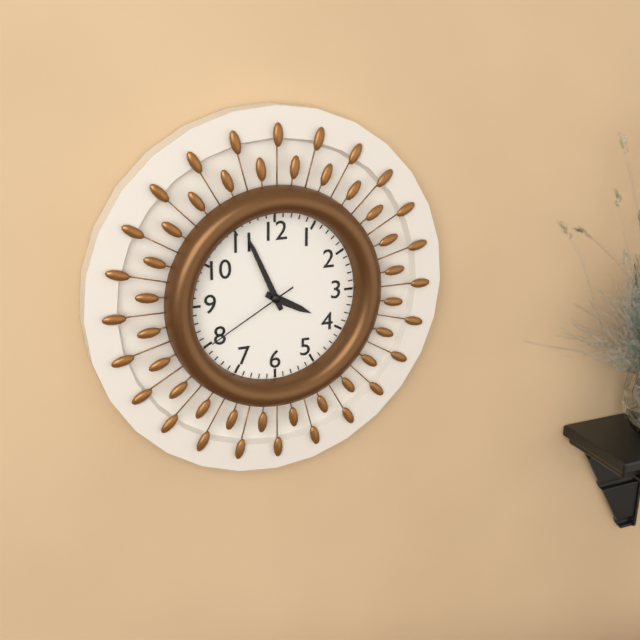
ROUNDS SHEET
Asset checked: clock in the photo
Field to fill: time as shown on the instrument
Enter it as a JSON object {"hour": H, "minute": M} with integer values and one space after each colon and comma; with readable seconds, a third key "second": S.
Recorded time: {"hour": 3, "minute": 56, "second": 40}
